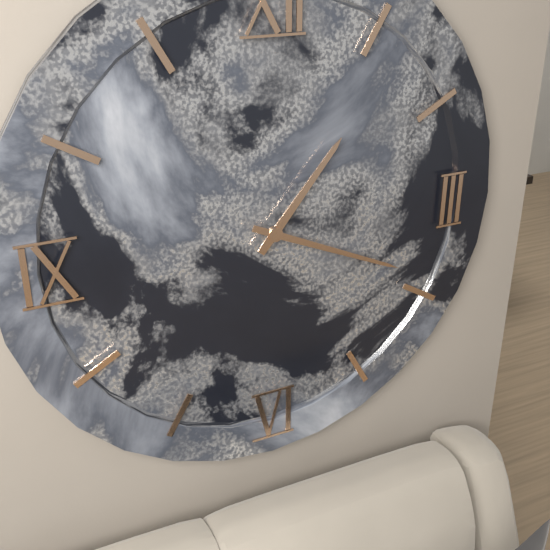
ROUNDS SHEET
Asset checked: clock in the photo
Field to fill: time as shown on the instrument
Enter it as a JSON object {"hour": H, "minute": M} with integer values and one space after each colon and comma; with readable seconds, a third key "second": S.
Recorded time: {"hour": 1, "minute": 19}
